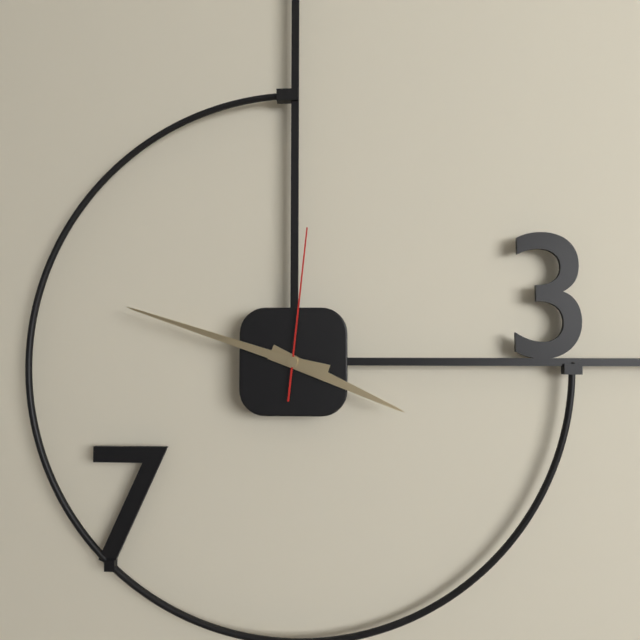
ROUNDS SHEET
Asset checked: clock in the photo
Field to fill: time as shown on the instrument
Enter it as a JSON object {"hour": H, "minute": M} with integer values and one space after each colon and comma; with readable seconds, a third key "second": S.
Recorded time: {"hour": 3, "minute": 48, "second": 1}
